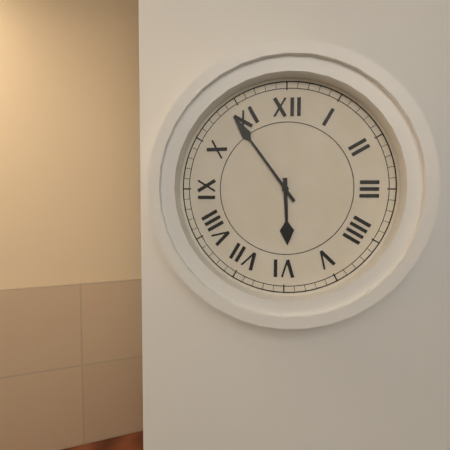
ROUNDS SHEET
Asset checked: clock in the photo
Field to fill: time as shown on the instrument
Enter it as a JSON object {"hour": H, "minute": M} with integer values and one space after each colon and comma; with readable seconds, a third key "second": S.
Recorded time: {"hour": 5, "minute": 54}
